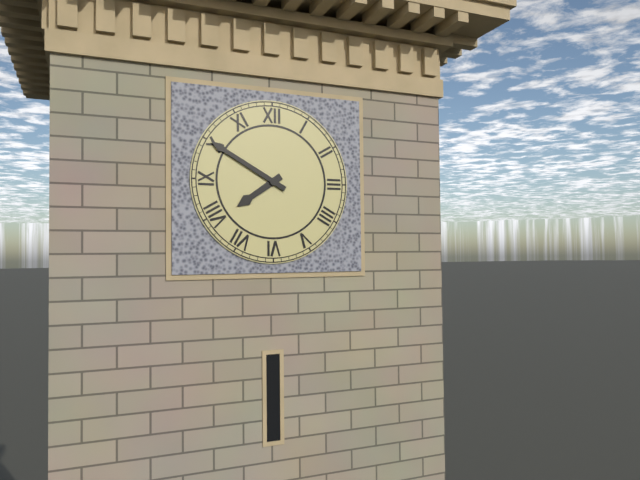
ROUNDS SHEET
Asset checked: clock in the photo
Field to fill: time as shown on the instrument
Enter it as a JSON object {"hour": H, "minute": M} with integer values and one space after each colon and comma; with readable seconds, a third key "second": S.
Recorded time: {"hour": 7, "minute": 50}
